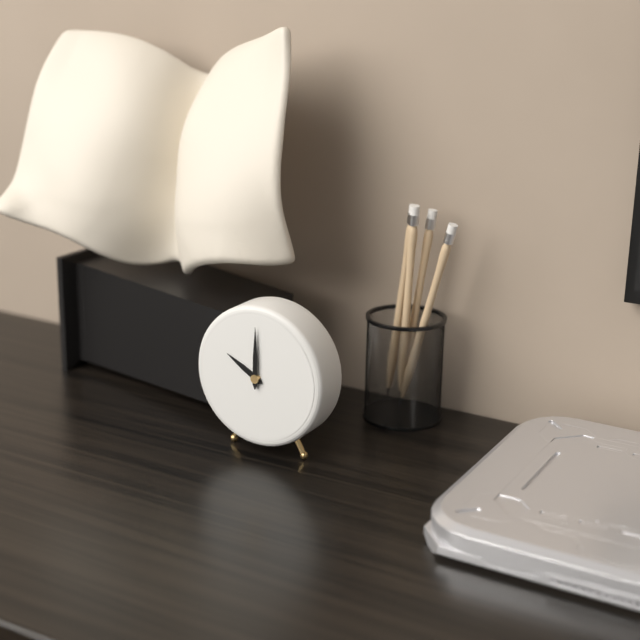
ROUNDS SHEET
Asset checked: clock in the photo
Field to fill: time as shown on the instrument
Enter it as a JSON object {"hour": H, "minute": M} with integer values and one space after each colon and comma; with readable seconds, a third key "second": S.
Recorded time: {"hour": 10, "minute": 0}
